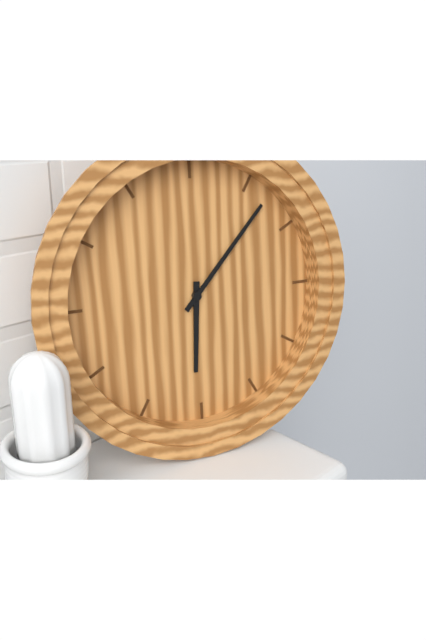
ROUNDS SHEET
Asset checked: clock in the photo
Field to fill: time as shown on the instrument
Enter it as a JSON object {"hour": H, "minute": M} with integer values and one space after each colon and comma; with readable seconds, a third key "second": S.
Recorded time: {"hour": 6, "minute": 7}
